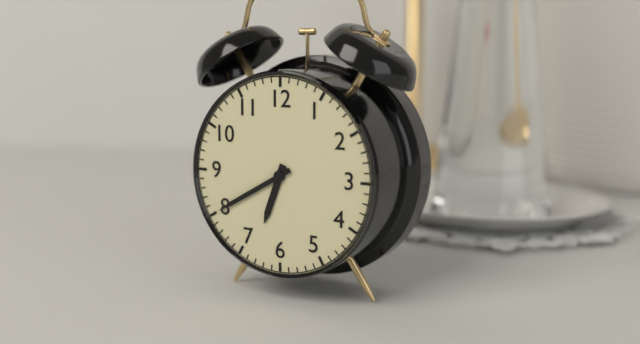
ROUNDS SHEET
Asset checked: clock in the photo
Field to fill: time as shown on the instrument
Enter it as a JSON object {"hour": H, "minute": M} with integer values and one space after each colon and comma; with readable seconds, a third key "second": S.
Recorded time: {"hour": 6, "minute": 40}
